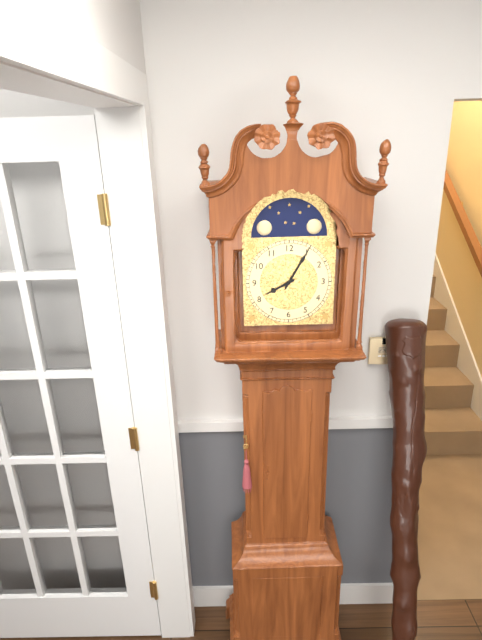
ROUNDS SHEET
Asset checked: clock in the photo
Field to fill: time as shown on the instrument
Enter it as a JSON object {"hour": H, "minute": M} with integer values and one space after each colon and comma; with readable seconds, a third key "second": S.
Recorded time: {"hour": 8, "minute": 5}
